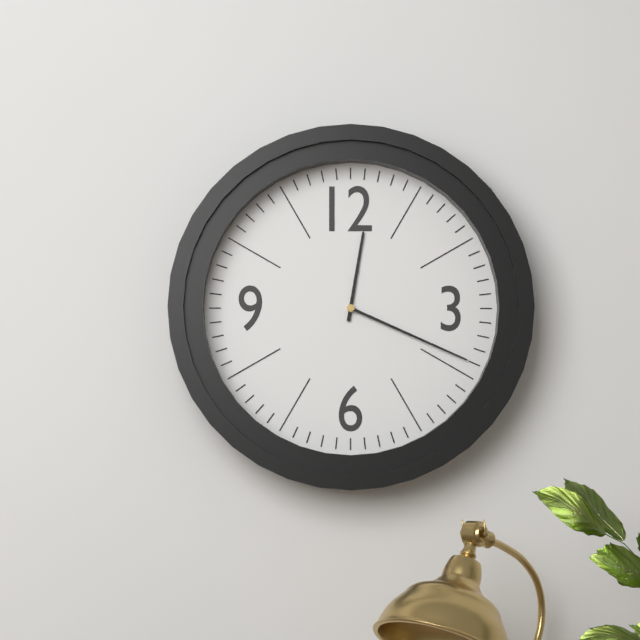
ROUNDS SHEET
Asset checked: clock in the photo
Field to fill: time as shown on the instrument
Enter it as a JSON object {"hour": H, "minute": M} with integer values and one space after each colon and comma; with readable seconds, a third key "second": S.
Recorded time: {"hour": 12, "minute": 19}
